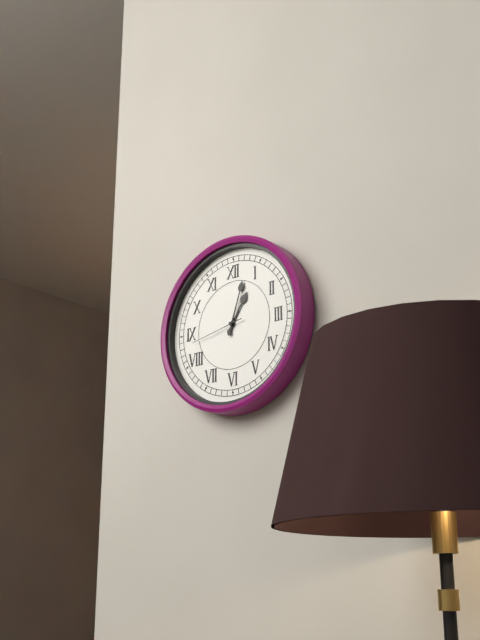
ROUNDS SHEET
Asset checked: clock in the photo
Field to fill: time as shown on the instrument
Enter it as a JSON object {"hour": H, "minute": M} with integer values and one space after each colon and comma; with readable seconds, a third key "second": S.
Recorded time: {"hour": 1, "minute": 3, "second": 43}
